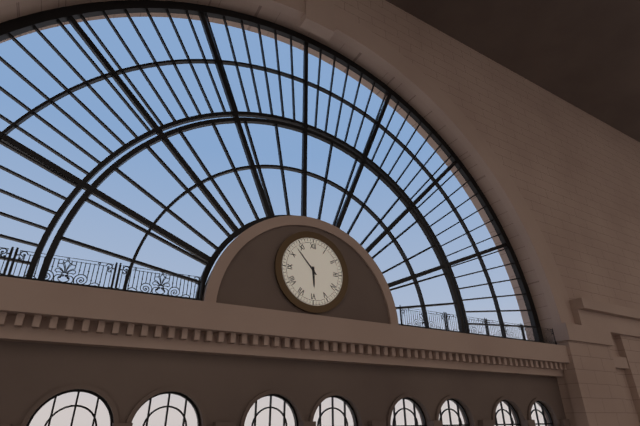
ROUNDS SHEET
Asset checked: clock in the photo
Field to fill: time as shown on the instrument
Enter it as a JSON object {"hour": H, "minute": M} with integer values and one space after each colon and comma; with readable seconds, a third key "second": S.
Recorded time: {"hour": 5, "minute": 53}
